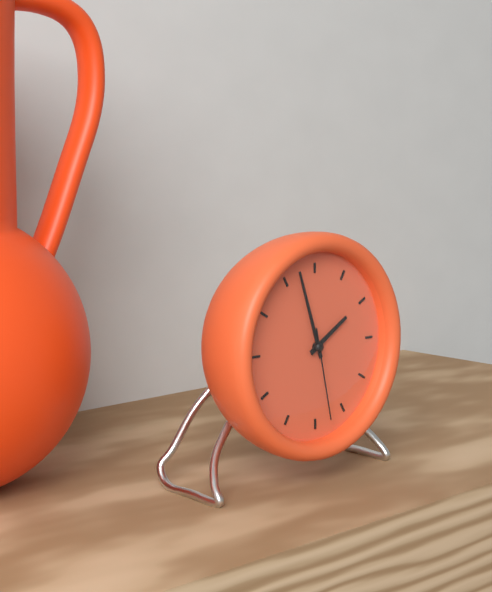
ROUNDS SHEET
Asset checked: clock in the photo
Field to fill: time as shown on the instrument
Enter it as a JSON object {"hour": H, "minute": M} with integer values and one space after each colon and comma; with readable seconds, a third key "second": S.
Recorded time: {"hour": 1, "minute": 57, "second": 28}
